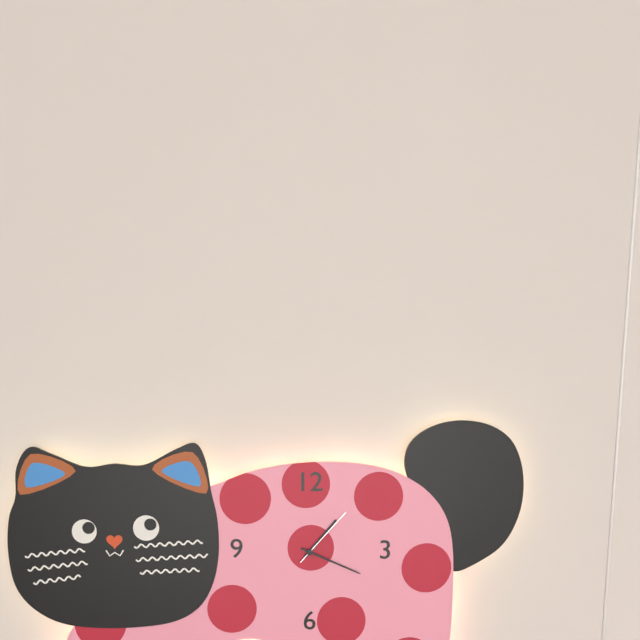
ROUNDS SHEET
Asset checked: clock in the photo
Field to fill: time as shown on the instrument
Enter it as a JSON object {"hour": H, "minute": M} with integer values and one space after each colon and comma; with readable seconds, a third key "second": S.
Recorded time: {"hour": 1, "minute": 19, "second": 7}
